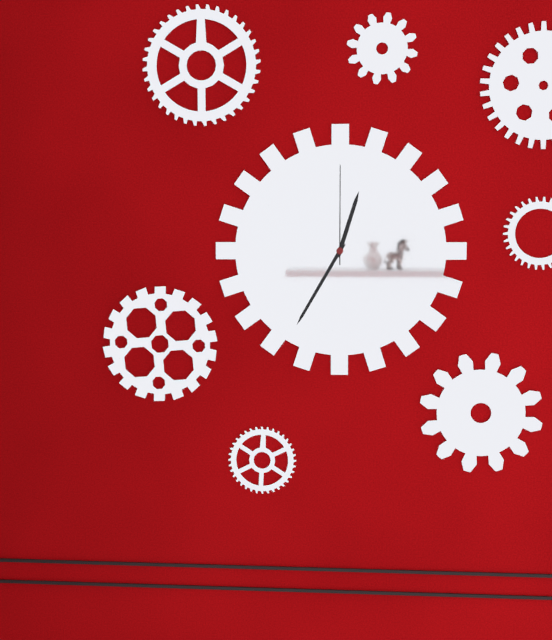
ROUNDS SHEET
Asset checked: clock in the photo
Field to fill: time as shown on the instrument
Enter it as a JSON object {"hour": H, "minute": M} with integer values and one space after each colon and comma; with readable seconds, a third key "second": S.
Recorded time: {"hour": 12, "minute": 35, "second": 0}
